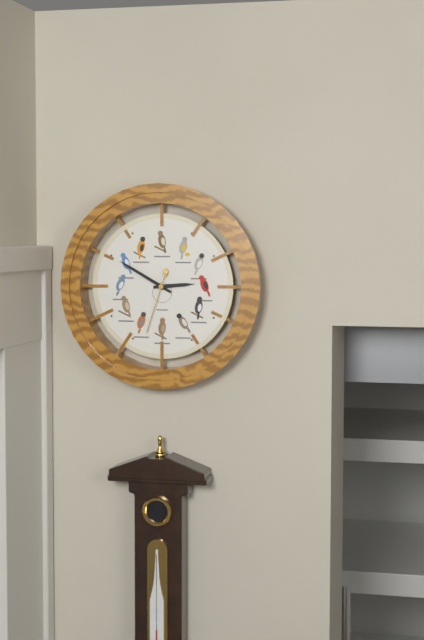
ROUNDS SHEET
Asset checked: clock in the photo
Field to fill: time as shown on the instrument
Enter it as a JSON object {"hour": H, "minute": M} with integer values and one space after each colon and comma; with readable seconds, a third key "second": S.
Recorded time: {"hour": 2, "minute": 50, "second": 33}
